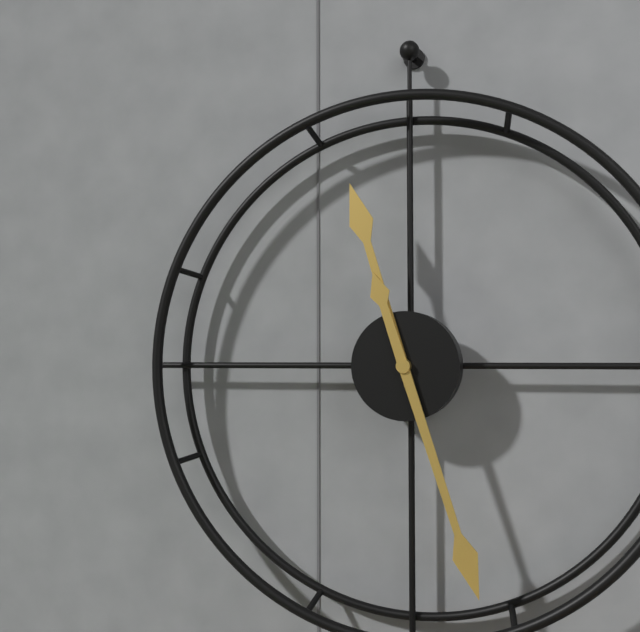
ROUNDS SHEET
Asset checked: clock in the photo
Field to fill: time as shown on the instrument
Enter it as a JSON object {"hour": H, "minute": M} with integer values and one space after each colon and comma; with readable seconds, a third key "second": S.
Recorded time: {"hour": 11, "minute": 27}
